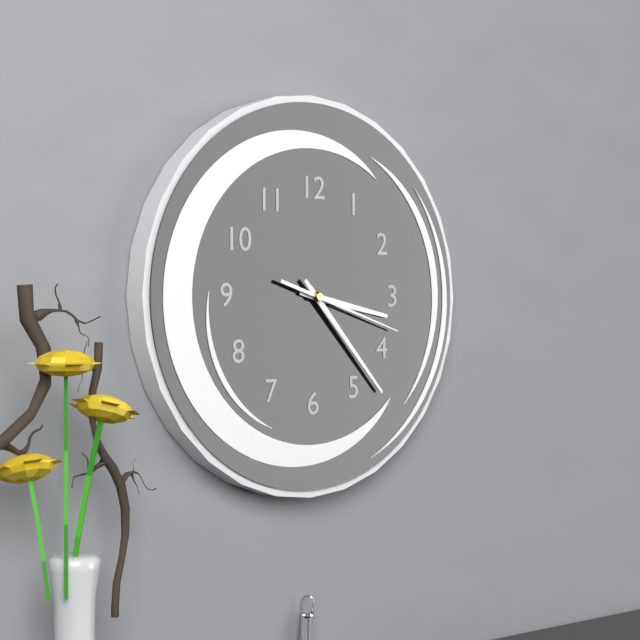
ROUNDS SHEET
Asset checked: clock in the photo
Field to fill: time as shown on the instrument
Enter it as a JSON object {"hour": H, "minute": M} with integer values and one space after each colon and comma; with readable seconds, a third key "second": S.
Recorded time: {"hour": 3, "minute": 23, "second": 18}
